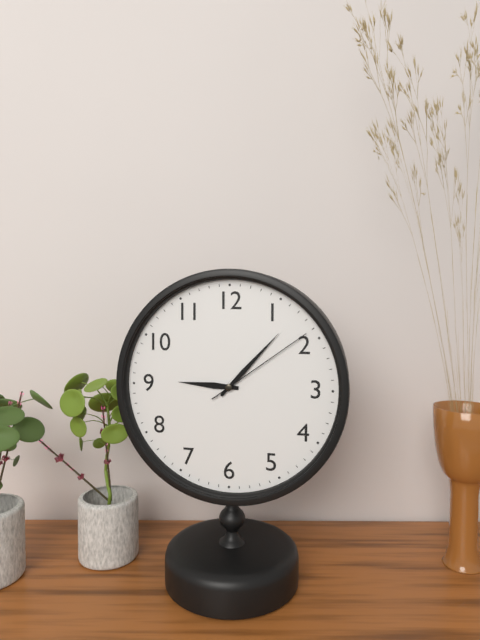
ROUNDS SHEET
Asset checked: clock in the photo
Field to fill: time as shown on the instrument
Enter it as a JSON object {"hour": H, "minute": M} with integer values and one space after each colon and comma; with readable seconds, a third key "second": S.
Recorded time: {"hour": 9, "minute": 7, "second": 9}
